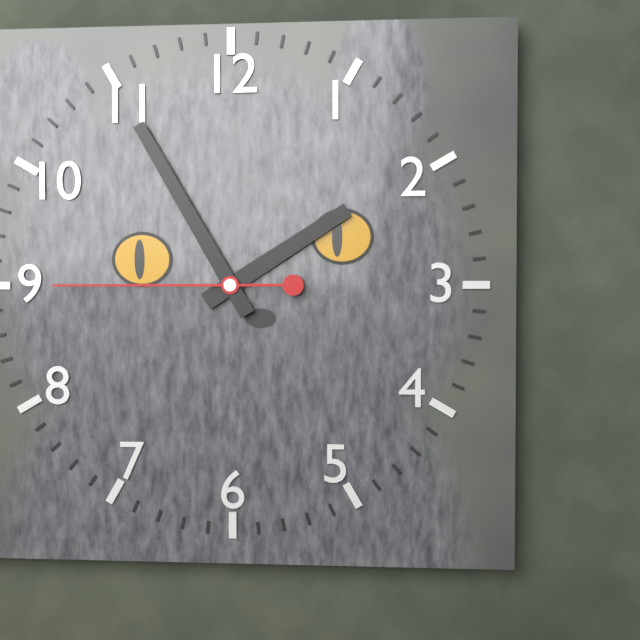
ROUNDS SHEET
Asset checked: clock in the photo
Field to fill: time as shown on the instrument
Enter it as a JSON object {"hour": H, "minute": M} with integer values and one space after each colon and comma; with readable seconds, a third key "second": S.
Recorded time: {"hour": 1, "minute": 55, "second": 45}
